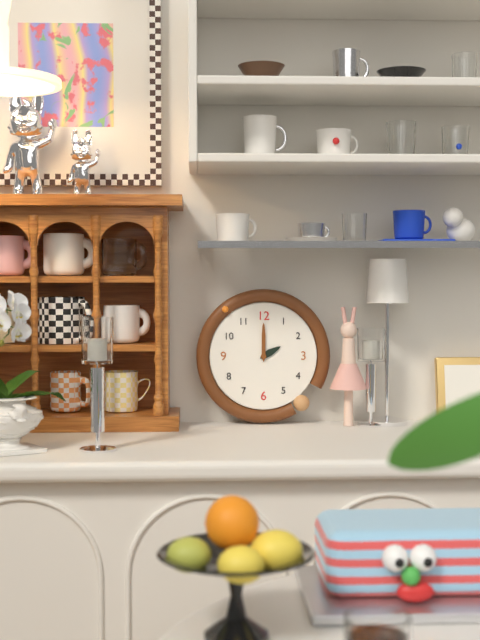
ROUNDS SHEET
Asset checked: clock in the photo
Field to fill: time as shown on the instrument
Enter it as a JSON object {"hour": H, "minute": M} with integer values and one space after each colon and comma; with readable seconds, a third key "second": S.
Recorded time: {"hour": 2, "minute": 0}
